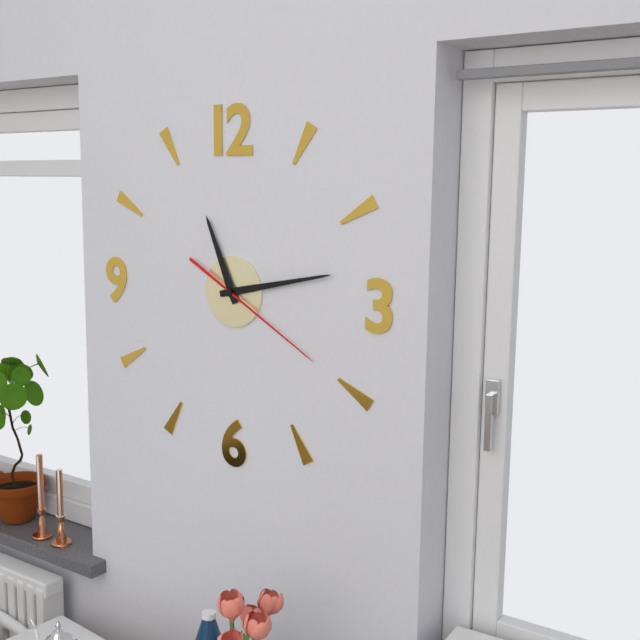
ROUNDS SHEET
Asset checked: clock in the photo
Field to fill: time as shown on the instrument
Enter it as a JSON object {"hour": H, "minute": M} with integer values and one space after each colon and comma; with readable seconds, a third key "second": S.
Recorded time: {"hour": 11, "minute": 13, "second": 20}
